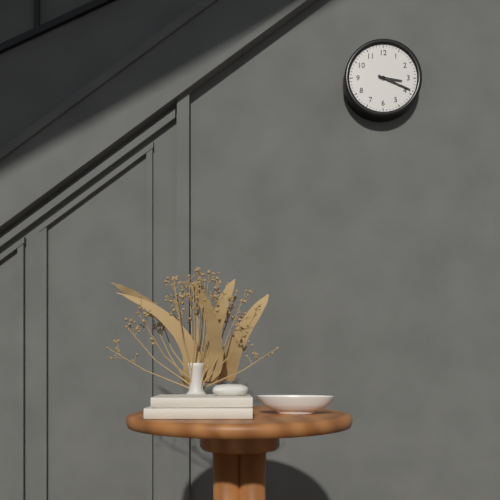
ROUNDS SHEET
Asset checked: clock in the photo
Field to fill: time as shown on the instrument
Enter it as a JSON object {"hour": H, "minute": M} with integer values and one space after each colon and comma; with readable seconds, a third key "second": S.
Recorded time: {"hour": 3, "minute": 19}
